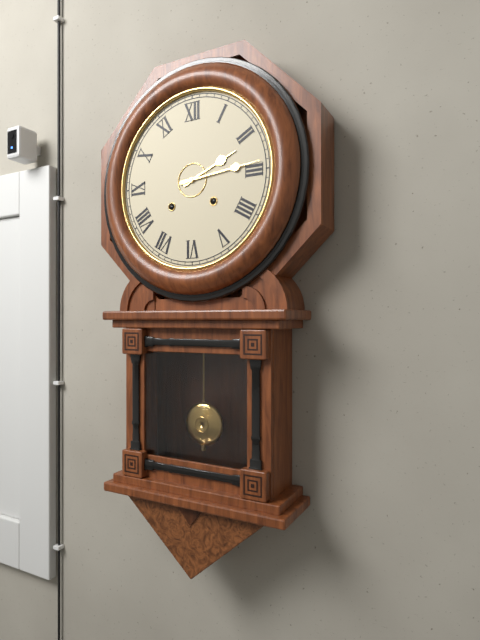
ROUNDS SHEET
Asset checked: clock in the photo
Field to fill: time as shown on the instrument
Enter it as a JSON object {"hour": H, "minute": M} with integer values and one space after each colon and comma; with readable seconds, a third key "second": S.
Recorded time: {"hour": 2, "minute": 14}
